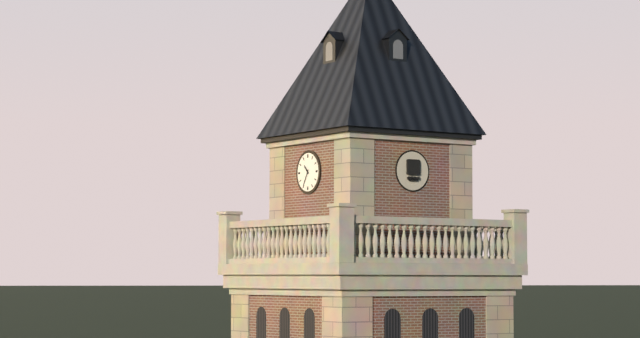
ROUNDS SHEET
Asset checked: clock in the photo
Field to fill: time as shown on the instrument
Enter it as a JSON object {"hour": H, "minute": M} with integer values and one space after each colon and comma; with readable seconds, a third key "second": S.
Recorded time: {"hour": 10, "minute": 35}
